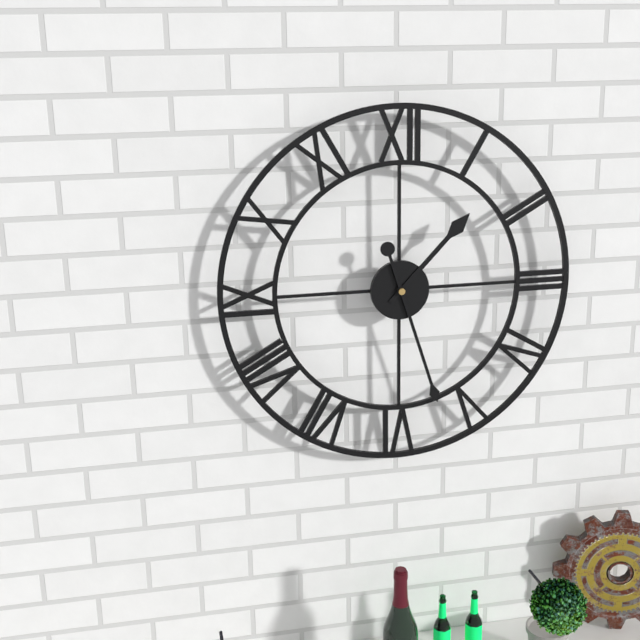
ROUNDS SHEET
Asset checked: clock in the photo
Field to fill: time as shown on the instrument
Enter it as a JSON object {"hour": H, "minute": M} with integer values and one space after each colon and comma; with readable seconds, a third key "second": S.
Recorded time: {"hour": 1, "minute": 27}
